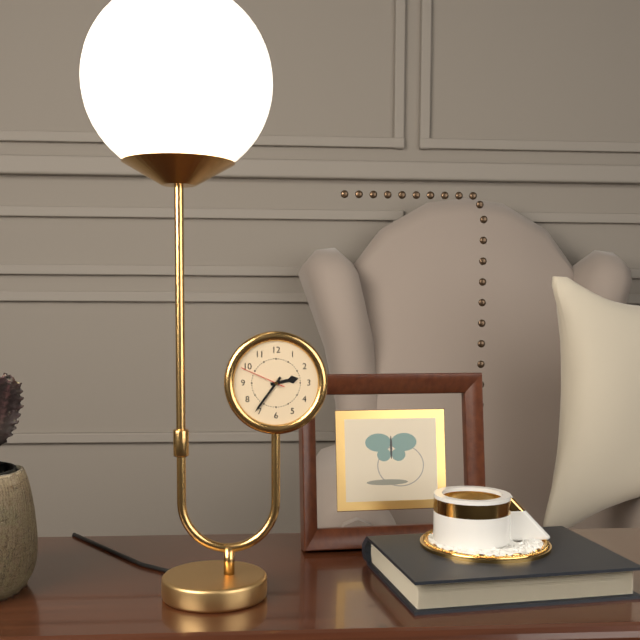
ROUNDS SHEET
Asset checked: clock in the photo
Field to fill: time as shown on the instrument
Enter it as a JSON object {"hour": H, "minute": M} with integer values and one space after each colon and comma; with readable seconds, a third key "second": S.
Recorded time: {"hour": 2, "minute": 36}
